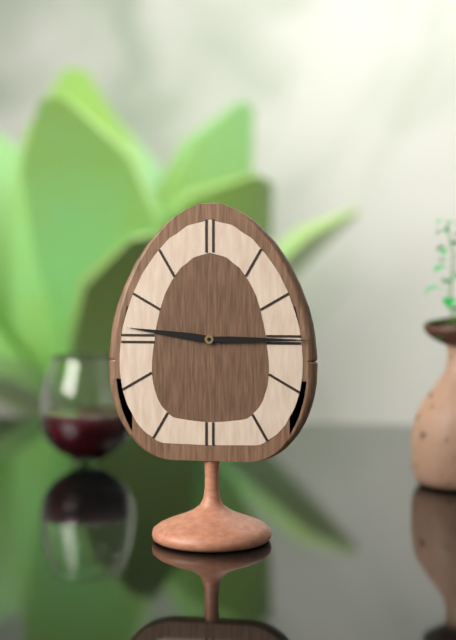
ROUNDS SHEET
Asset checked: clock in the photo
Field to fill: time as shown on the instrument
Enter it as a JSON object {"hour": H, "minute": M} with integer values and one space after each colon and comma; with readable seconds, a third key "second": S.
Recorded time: {"hour": 9, "minute": 15}
